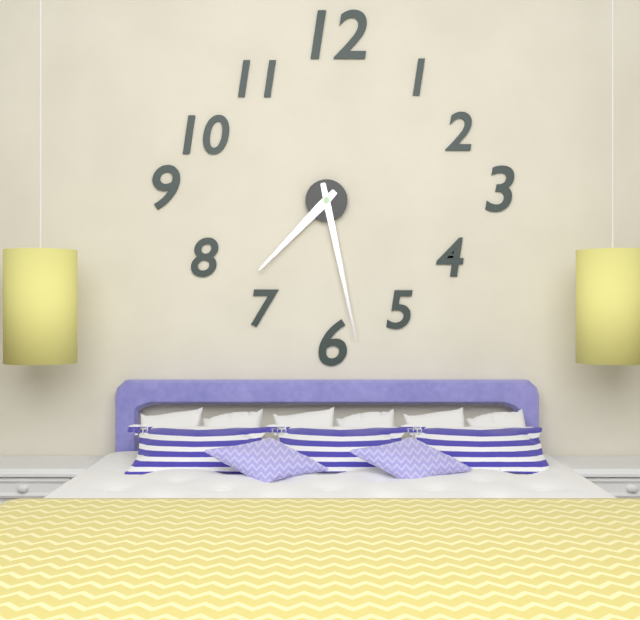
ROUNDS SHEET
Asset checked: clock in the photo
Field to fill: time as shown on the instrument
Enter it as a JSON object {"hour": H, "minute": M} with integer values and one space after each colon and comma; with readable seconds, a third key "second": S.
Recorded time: {"hour": 7, "minute": 28}
